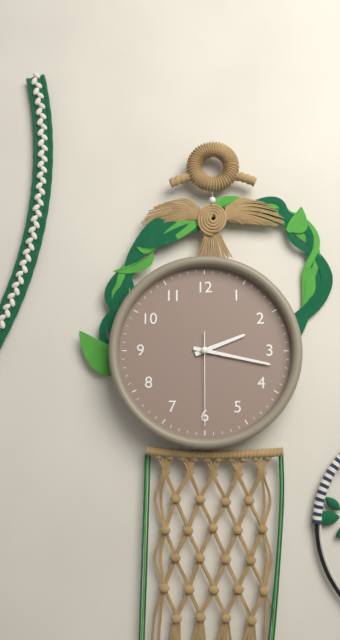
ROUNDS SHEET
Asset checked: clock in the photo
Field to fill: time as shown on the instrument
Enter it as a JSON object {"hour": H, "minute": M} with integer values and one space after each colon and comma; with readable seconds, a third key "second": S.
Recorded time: {"hour": 2, "minute": 17, "second": 30}
